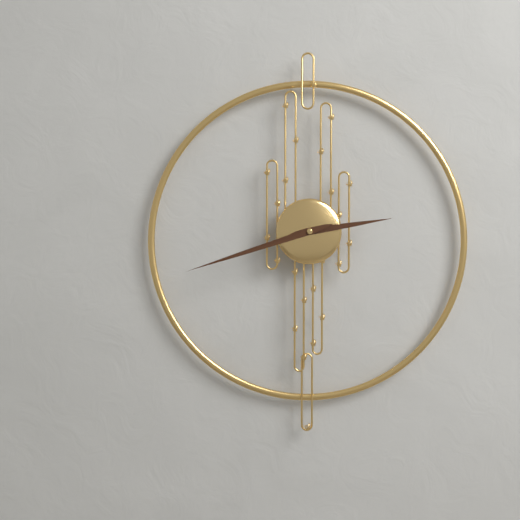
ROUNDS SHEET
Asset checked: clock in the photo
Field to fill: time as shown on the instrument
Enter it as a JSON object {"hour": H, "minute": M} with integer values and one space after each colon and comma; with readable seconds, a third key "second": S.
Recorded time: {"hour": 2, "minute": 42}
